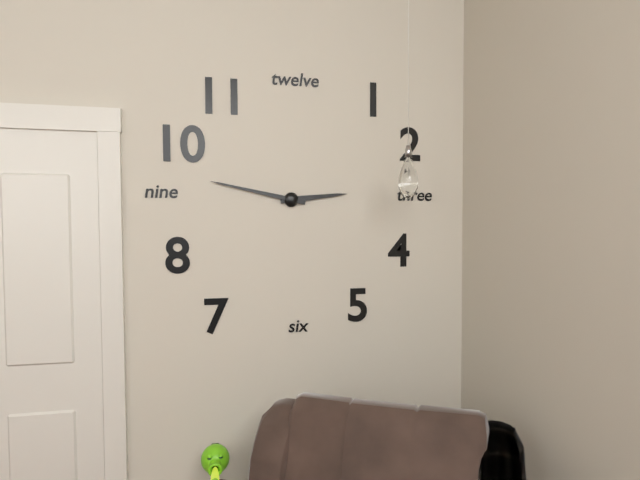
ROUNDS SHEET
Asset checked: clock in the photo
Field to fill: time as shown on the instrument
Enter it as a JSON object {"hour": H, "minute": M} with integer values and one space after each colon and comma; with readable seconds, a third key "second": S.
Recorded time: {"hour": 2, "minute": 47}
